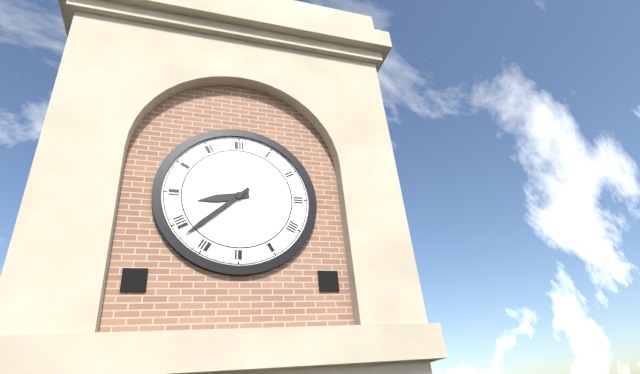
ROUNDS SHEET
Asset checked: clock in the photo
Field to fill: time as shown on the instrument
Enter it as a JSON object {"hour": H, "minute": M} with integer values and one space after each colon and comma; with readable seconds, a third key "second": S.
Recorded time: {"hour": 8, "minute": 38}
